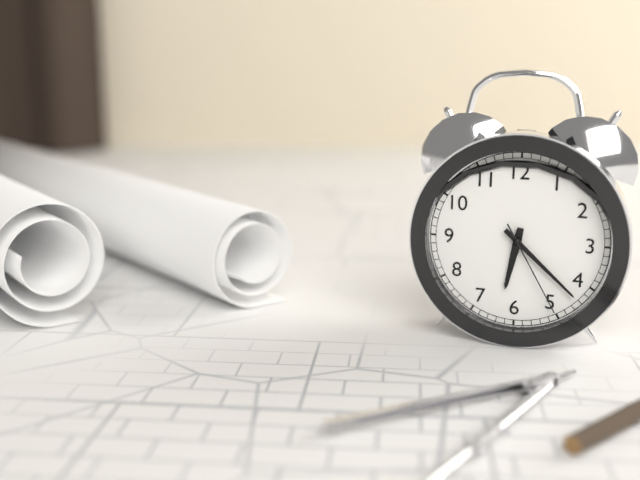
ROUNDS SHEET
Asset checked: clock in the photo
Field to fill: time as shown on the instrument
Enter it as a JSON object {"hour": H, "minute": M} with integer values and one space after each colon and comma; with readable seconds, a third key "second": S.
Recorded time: {"hour": 6, "minute": 22, "second": 25}
